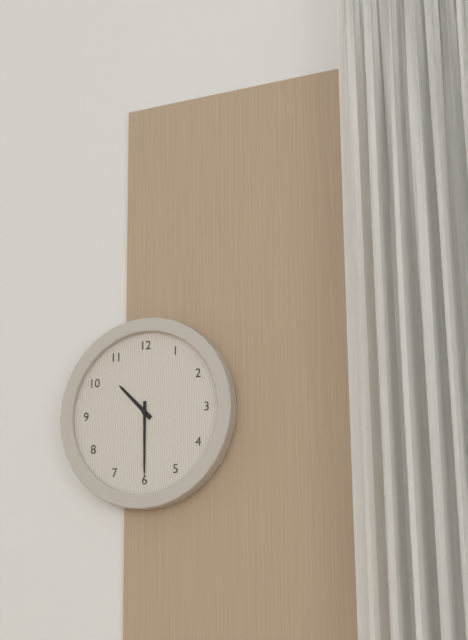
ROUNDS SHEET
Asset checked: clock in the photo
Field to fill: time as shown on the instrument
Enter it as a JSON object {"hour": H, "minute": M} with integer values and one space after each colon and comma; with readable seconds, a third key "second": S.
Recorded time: {"hour": 10, "minute": 30}
